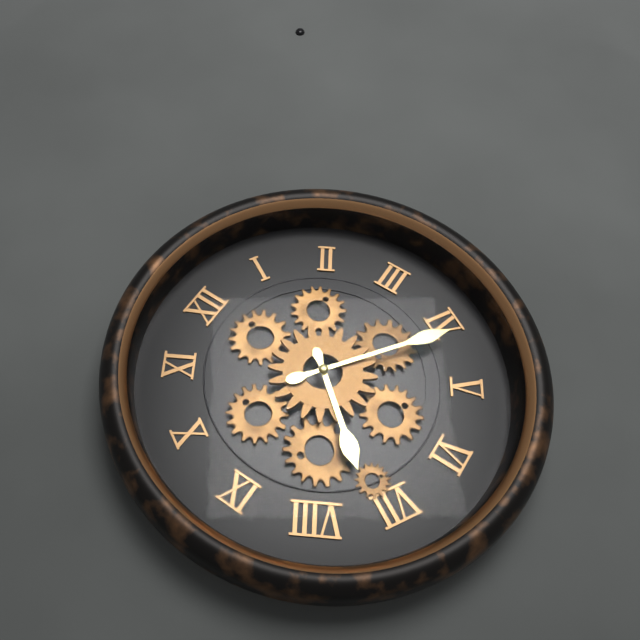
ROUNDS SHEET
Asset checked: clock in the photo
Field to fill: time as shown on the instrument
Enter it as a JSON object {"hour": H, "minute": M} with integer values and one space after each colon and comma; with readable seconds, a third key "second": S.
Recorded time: {"hour": 7, "minute": 21}
